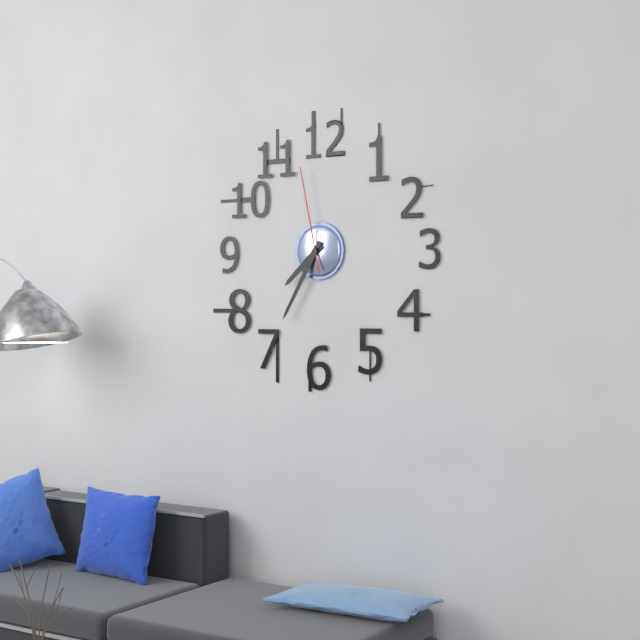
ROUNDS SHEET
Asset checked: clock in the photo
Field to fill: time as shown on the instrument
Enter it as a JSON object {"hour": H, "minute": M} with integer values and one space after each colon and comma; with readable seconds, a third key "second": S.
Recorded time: {"hour": 7, "minute": 35, "second": 58}
